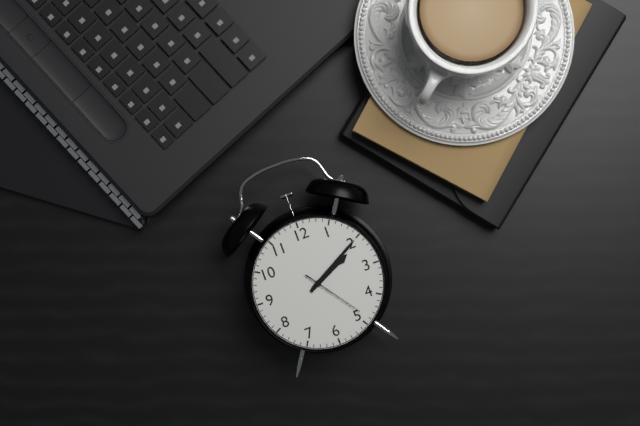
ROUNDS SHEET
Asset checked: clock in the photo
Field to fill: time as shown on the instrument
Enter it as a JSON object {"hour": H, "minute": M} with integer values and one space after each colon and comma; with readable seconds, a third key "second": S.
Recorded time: {"hour": 2, "minute": 10, "second": 24}
